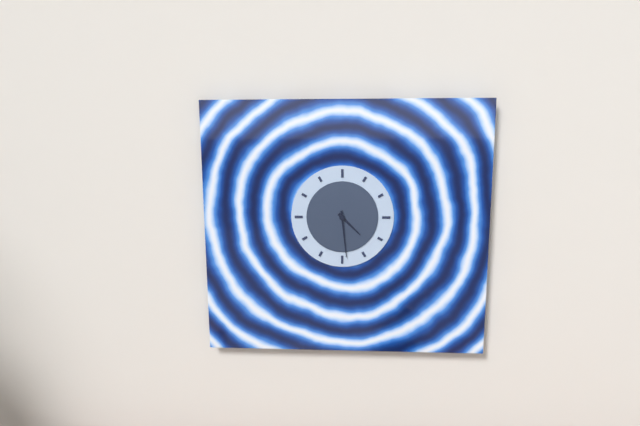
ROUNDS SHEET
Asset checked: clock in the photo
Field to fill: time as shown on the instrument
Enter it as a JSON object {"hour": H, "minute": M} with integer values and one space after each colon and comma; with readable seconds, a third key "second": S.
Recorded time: {"hour": 4, "minute": 29}
